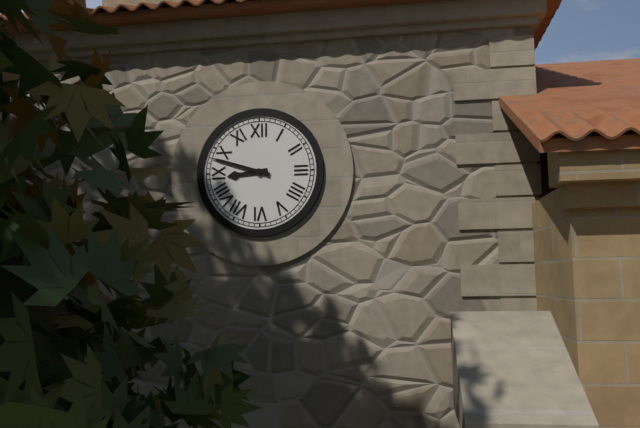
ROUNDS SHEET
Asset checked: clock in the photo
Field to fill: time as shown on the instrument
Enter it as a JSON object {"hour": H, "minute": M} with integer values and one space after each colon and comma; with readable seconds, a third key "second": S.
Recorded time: {"hour": 8, "minute": 48}
